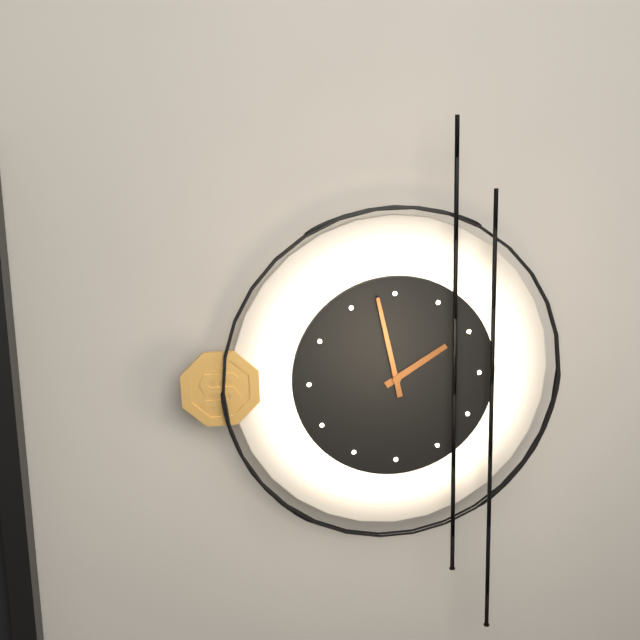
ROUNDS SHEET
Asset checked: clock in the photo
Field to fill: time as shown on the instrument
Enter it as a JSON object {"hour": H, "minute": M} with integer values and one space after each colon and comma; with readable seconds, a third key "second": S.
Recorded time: {"hour": 1, "minute": 58}
